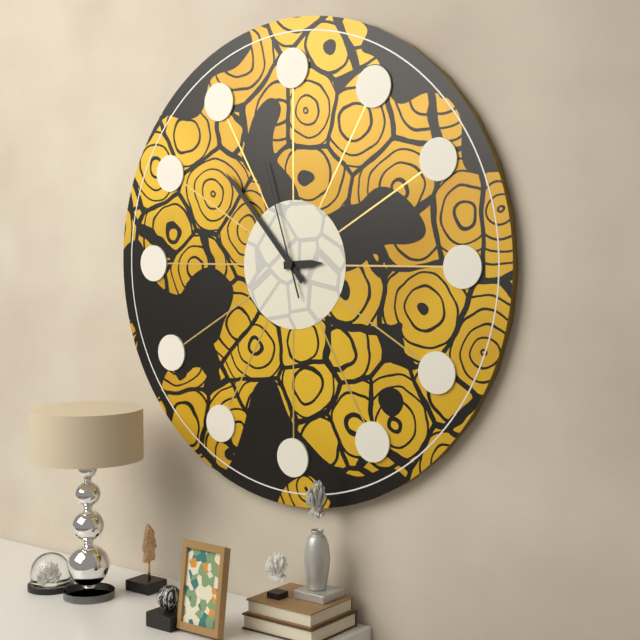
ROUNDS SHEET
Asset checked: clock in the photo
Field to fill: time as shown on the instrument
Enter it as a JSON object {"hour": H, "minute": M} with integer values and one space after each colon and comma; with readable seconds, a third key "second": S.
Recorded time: {"hour": 2, "minute": 53, "second": 57}
